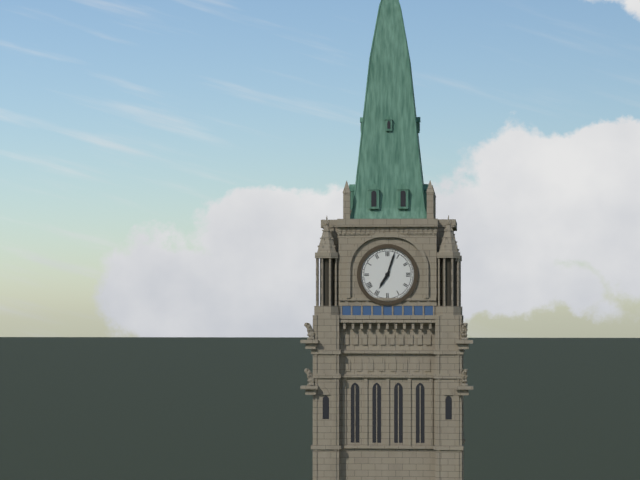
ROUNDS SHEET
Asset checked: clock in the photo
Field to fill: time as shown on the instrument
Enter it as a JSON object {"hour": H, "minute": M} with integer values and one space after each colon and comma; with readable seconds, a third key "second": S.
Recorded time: {"hour": 7, "minute": 3}
